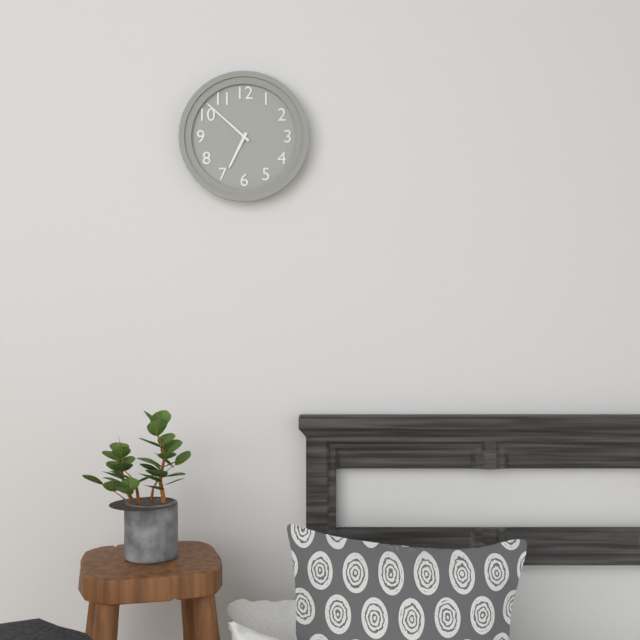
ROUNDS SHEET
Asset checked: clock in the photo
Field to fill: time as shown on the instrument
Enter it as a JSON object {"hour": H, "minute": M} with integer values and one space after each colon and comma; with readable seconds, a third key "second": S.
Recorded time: {"hour": 6, "minute": 52}
